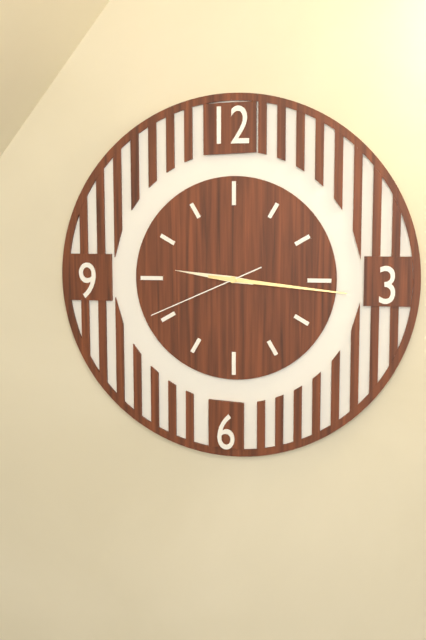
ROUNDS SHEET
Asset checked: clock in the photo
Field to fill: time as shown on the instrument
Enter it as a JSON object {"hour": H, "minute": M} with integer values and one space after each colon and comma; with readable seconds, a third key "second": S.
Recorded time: {"hour": 9, "minute": 16, "second": 41}
